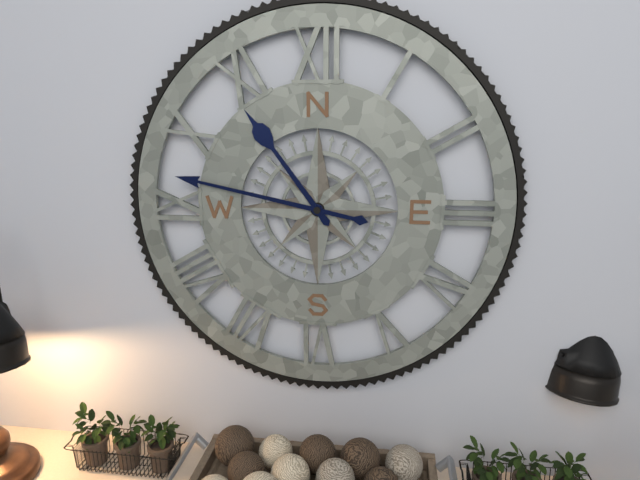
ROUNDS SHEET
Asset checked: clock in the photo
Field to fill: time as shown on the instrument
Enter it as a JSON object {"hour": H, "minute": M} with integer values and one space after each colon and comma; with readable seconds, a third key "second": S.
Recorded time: {"hour": 10, "minute": 47}
